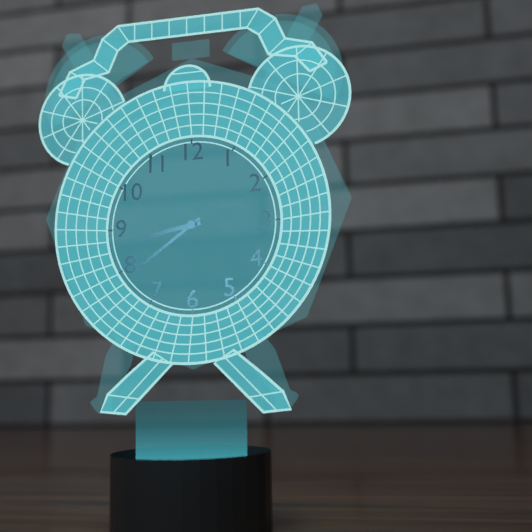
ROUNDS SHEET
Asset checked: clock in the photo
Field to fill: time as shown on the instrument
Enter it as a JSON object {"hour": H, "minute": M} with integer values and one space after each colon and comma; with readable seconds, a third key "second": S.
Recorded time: {"hour": 8, "minute": 39}
